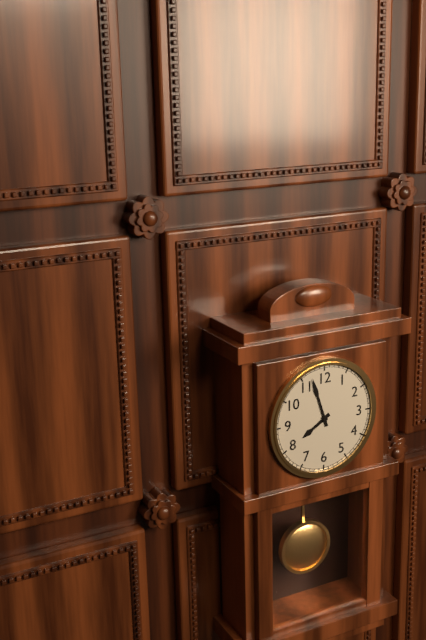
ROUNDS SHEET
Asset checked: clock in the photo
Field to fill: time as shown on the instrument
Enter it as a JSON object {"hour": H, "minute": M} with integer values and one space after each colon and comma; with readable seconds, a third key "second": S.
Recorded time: {"hour": 7, "minute": 57}
